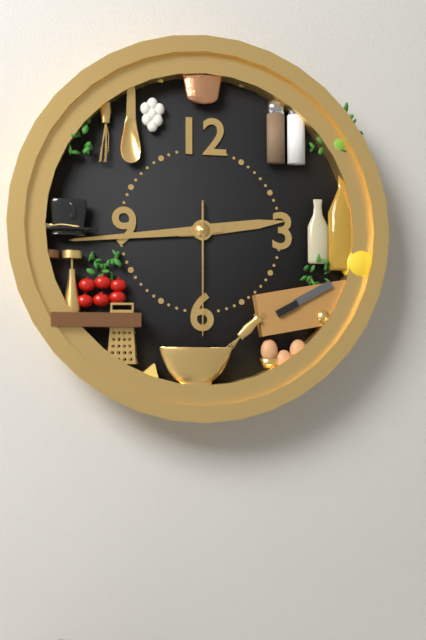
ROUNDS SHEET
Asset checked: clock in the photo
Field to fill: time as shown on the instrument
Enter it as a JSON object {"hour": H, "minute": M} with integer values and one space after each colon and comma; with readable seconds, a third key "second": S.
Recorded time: {"hour": 2, "minute": 44, "second": 30}
